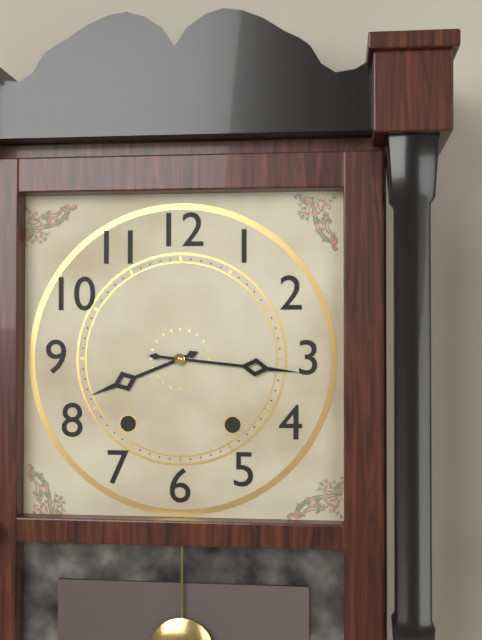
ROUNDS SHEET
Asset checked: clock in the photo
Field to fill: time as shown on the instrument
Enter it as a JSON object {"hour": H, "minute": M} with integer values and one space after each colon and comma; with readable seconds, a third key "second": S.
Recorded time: {"hour": 8, "minute": 16}
